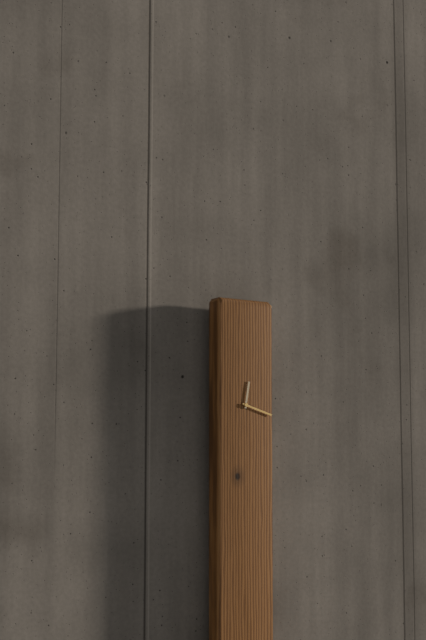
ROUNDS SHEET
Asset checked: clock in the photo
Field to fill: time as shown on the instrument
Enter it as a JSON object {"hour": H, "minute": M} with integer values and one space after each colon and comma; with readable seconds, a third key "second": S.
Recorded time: {"hour": 12, "minute": 18}
